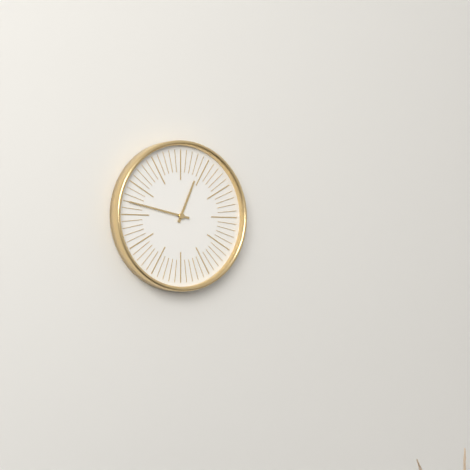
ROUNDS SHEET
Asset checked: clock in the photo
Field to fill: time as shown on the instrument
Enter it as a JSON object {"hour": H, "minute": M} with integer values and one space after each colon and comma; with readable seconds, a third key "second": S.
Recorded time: {"hour": 12, "minute": 47}
